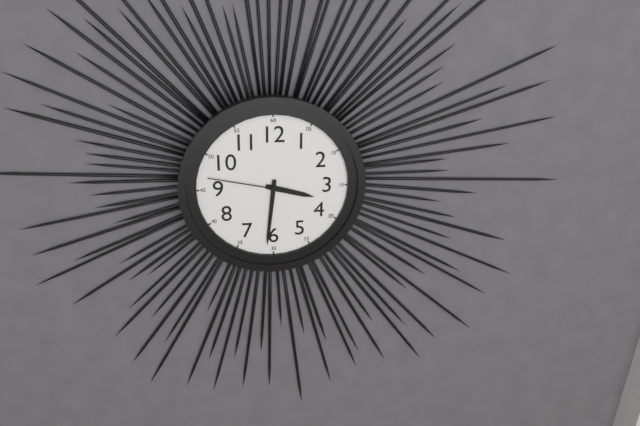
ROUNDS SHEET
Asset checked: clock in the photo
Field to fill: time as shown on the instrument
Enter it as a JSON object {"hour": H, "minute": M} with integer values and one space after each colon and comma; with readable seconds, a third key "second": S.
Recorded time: {"hour": 3, "minute": 31, "second": 47}
